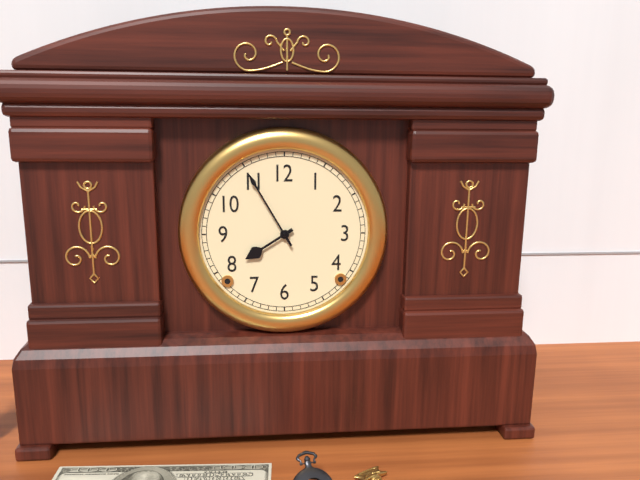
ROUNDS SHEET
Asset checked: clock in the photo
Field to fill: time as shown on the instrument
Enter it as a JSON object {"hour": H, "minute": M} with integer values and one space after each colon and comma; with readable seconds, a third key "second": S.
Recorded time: {"hour": 7, "minute": 55}
